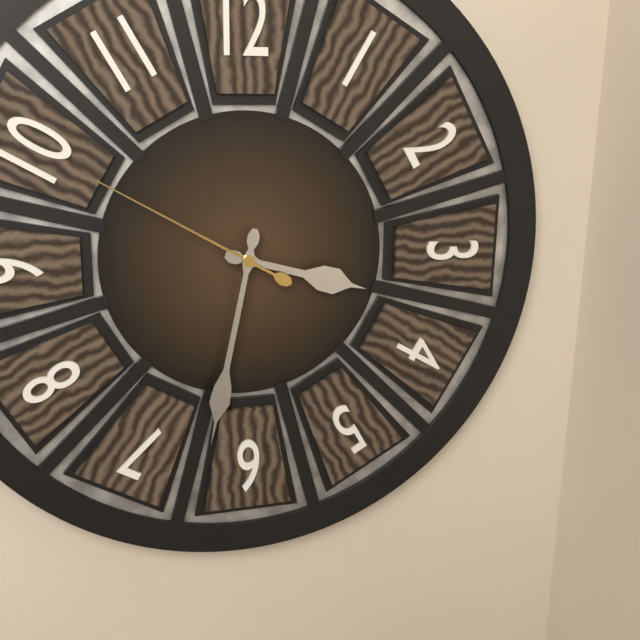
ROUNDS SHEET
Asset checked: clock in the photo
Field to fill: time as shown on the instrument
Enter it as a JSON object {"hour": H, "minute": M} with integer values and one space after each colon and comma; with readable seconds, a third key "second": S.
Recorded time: {"hour": 3, "minute": 32, "second": 50}
